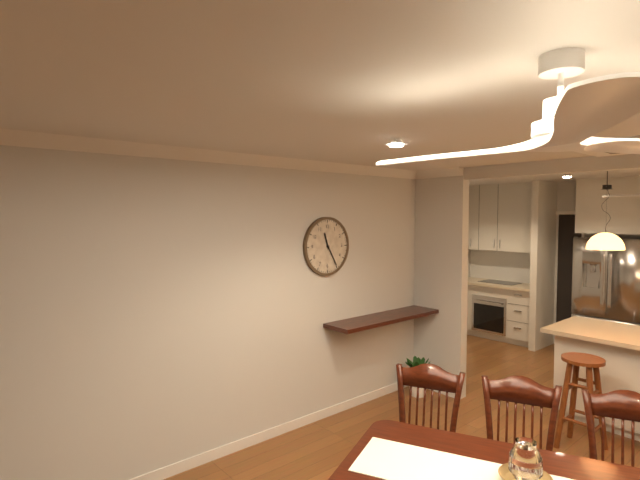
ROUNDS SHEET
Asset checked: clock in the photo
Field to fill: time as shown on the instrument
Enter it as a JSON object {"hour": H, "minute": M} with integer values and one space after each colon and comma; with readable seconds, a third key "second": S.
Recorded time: {"hour": 11, "minute": 25}
